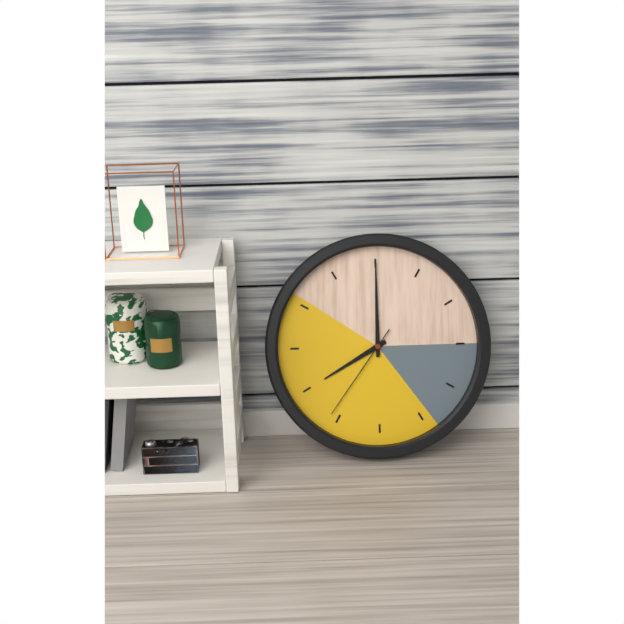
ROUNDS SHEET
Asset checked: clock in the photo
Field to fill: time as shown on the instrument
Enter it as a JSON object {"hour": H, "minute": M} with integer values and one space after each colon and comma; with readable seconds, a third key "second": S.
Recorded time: {"hour": 8, "minute": 0, "second": 36}
